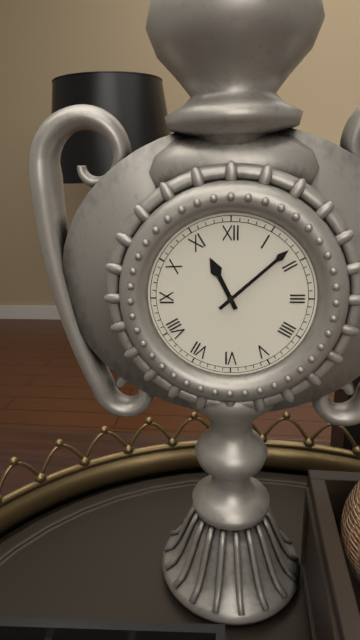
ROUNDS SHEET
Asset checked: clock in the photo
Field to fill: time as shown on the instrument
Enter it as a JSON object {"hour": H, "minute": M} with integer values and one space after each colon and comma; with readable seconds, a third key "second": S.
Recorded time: {"hour": 11, "minute": 8}
